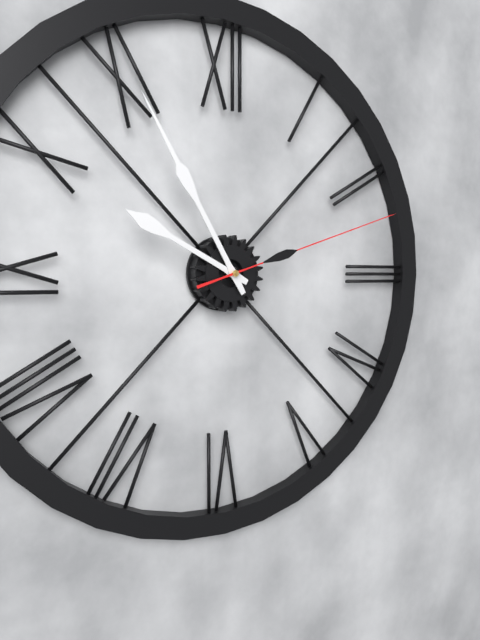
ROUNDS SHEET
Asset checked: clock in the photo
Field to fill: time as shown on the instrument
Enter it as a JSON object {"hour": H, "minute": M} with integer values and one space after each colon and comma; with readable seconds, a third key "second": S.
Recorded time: {"hour": 9, "minute": 55, "second": 12}
